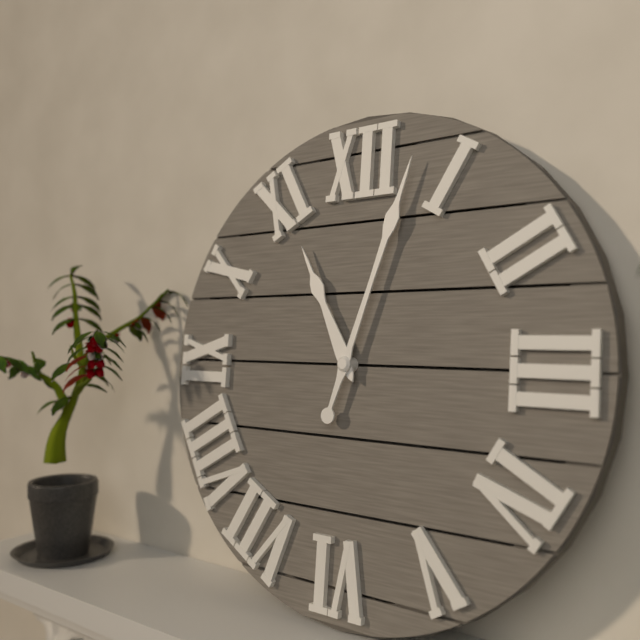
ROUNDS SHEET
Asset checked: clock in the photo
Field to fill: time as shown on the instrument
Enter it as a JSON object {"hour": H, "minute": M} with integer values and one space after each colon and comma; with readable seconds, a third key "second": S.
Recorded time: {"hour": 11, "minute": 3}
